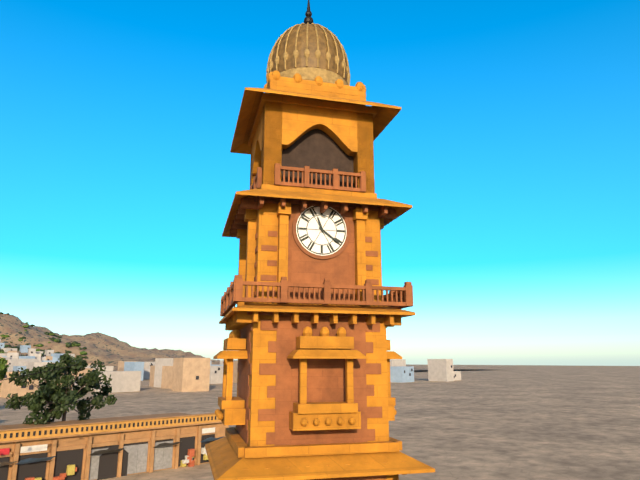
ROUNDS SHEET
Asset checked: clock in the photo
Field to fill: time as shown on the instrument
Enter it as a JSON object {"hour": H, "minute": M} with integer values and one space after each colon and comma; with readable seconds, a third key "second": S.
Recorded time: {"hour": 11, "minute": 21}
